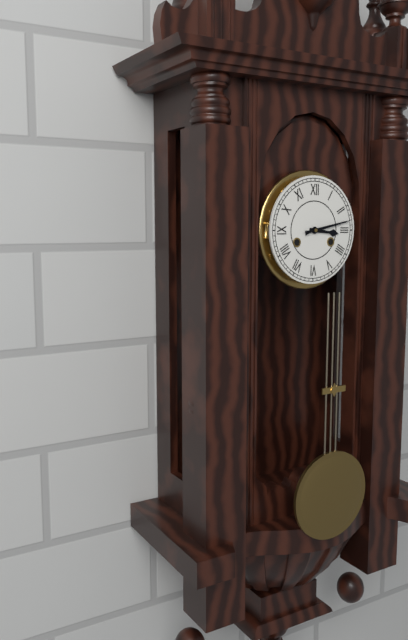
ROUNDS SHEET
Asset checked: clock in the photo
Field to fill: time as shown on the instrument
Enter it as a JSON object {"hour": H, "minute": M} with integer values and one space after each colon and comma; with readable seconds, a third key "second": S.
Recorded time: {"hour": 3, "minute": 13}
